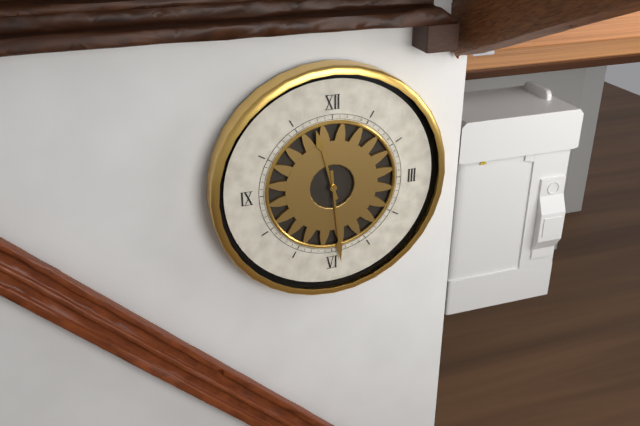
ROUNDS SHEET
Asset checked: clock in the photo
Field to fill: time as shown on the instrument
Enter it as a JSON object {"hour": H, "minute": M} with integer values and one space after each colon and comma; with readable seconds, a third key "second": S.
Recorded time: {"hour": 11, "minute": 29}
